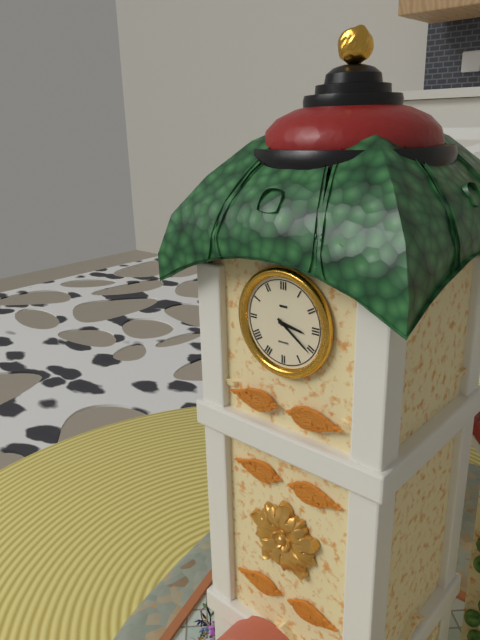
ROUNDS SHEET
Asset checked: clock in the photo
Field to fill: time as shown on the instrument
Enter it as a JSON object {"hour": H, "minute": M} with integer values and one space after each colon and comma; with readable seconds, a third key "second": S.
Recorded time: {"hour": 3, "minute": 21}
